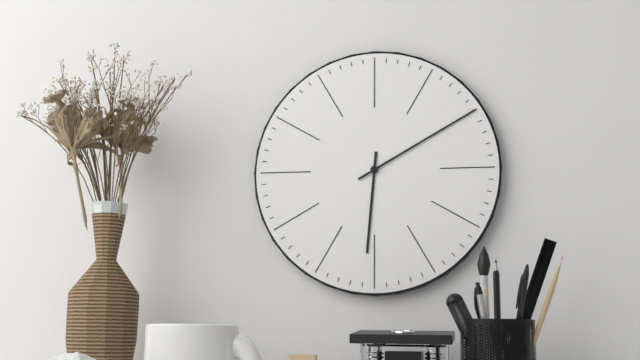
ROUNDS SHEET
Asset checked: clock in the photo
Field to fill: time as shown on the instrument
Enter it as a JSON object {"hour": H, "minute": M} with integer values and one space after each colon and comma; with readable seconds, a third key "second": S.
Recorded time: {"hour": 6, "minute": 10}
